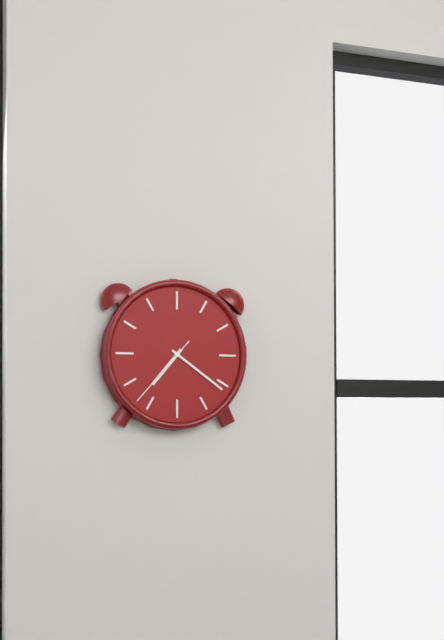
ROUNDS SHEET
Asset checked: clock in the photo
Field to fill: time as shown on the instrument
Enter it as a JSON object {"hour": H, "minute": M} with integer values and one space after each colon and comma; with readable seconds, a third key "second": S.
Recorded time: {"hour": 7, "minute": 21, "second": 37}
